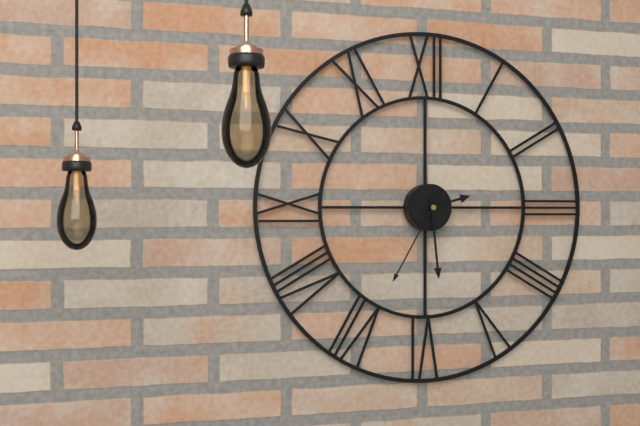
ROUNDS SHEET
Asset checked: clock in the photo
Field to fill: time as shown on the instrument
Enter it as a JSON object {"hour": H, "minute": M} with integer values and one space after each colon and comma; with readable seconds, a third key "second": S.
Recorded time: {"hour": 2, "minute": 29, "second": 35}
